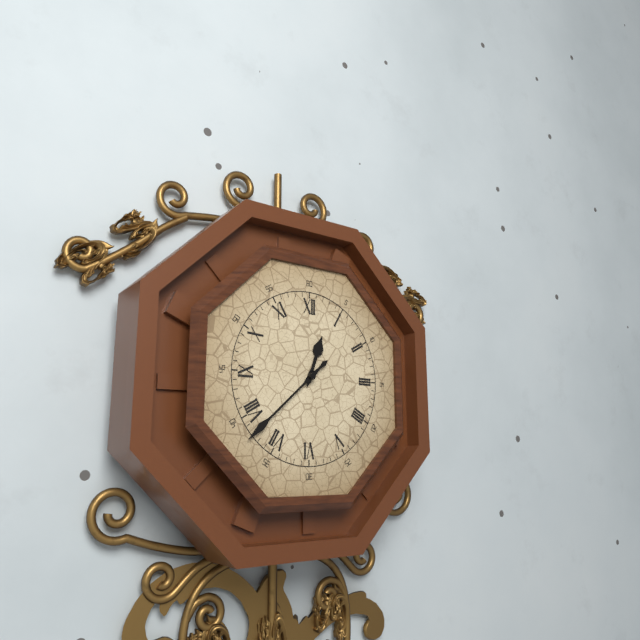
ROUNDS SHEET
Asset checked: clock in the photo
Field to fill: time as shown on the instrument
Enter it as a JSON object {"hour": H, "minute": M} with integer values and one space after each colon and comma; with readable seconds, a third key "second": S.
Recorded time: {"hour": 12, "minute": 38}
